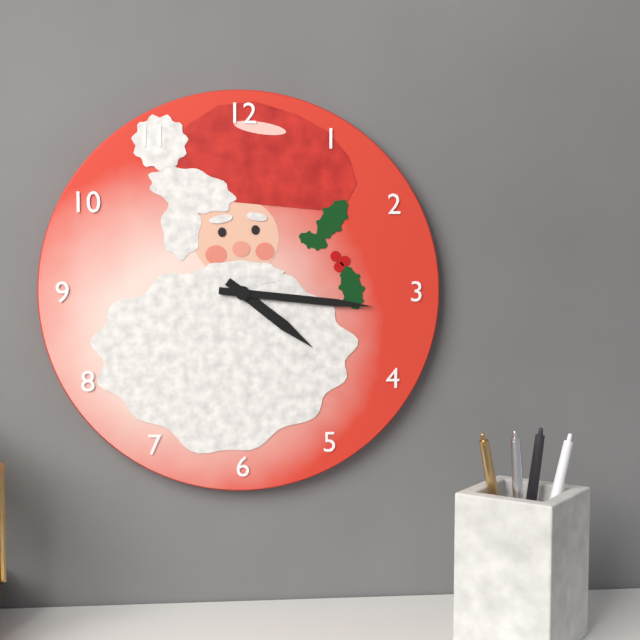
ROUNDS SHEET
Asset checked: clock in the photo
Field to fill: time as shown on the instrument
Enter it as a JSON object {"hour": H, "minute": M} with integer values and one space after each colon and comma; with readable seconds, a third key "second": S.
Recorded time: {"hour": 4, "minute": 16}
